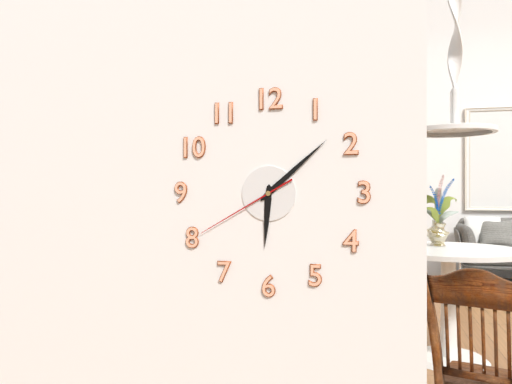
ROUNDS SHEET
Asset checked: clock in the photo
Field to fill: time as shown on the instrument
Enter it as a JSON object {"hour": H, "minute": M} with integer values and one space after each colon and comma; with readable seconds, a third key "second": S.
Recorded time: {"hour": 6, "minute": 8, "second": 40}
